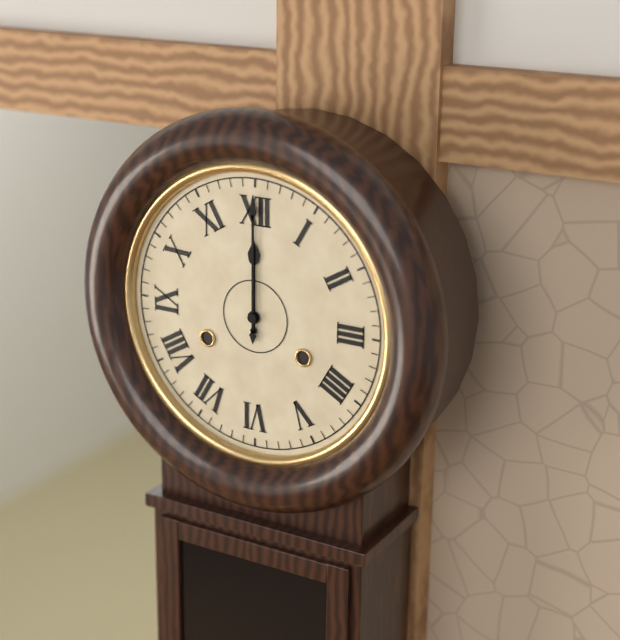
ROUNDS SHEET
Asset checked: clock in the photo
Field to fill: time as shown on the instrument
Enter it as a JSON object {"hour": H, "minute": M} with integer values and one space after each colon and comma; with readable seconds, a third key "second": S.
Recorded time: {"hour": 12, "minute": 0}
